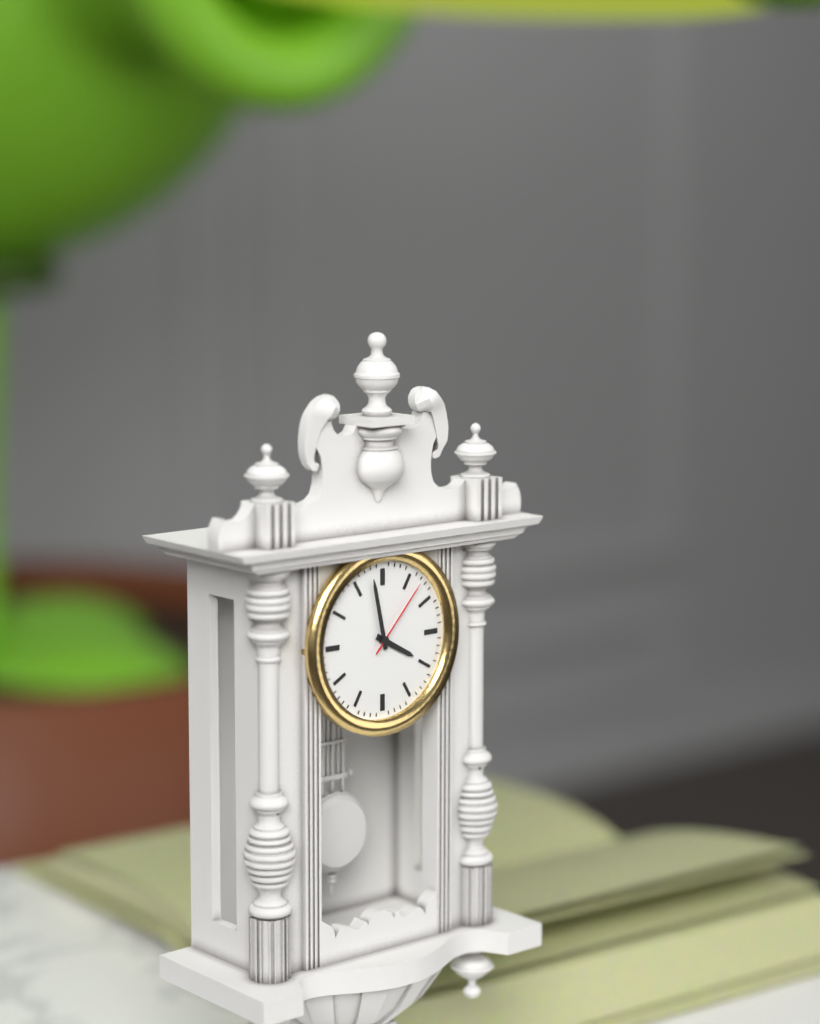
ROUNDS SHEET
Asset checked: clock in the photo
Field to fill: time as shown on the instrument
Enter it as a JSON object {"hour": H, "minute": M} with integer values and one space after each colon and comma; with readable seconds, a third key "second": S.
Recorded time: {"hour": 3, "minute": 58, "second": 7}
